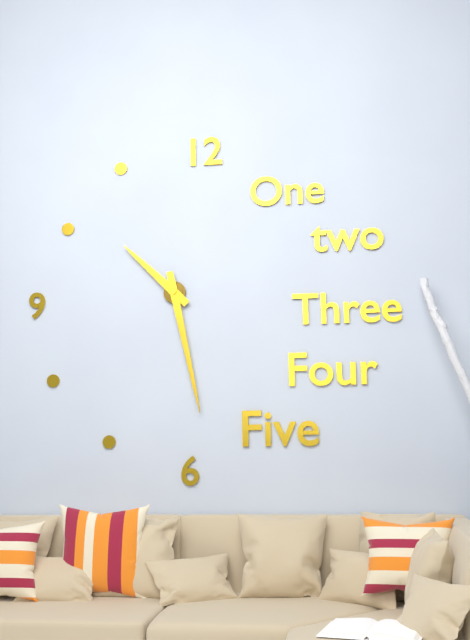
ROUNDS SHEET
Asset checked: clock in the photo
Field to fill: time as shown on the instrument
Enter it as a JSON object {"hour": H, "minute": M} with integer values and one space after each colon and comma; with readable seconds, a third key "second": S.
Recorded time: {"hour": 10, "minute": 28}
